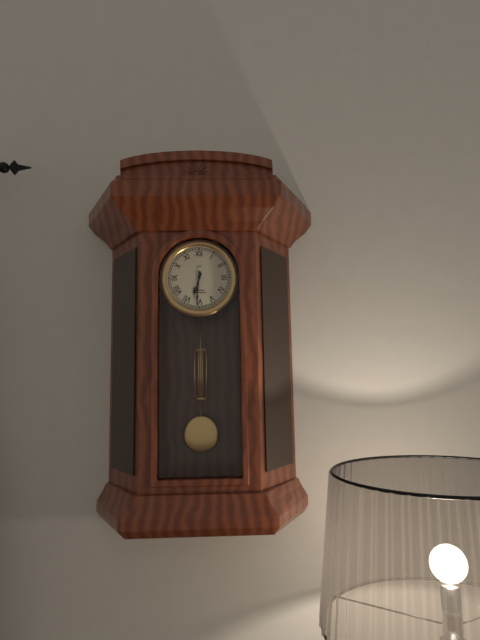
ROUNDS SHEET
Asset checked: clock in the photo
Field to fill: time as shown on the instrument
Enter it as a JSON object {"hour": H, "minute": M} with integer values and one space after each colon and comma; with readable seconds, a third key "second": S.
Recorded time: {"hour": 6, "minute": 31}
